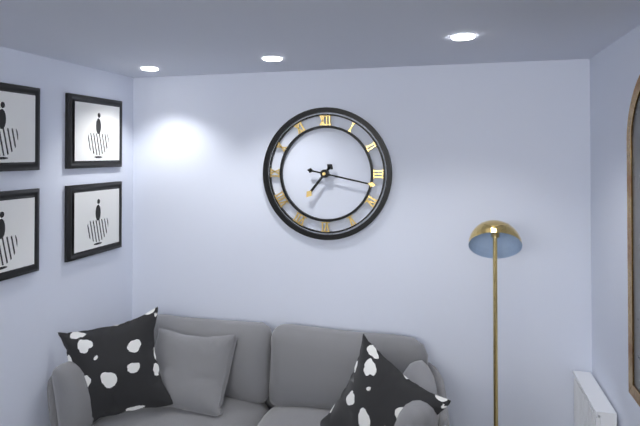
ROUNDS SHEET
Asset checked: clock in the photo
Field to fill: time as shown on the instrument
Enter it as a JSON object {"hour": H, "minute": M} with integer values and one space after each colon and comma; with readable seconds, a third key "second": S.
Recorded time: {"hour": 7, "minute": 17}
